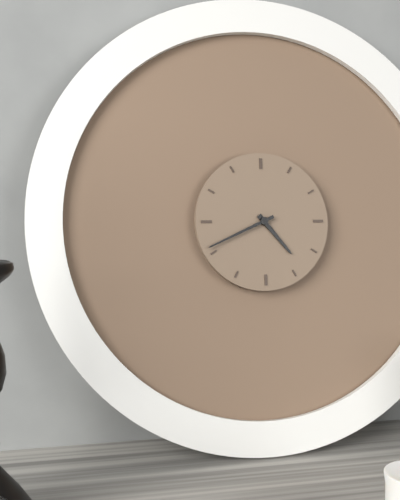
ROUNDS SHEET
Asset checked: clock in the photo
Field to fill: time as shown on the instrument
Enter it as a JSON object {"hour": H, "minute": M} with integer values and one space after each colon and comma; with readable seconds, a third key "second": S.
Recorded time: {"hour": 4, "minute": 41}
